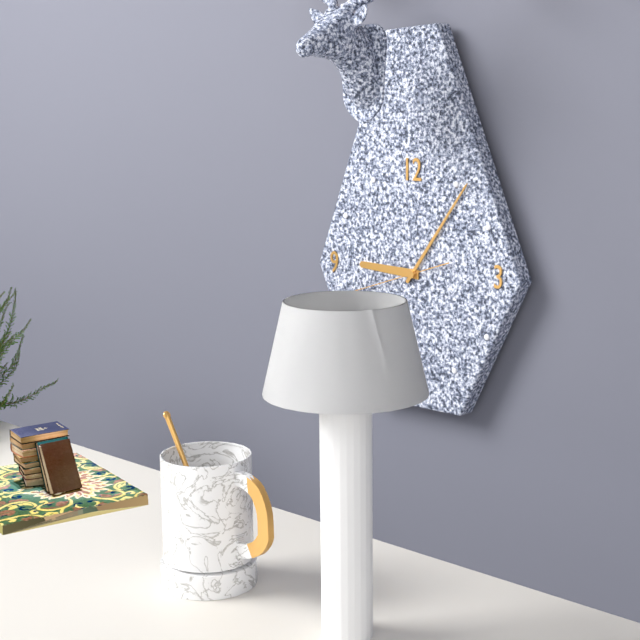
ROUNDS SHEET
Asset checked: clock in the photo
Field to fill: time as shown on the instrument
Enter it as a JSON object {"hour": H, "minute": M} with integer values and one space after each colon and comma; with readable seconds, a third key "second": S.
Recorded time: {"hour": 9, "minute": 6, "second": 42}
